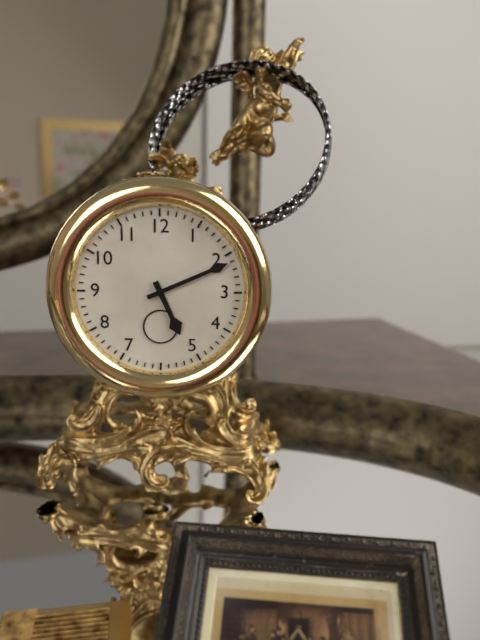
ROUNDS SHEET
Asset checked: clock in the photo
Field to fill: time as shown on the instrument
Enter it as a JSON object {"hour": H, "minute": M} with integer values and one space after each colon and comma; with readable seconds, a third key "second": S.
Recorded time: {"hour": 5, "minute": 11}
